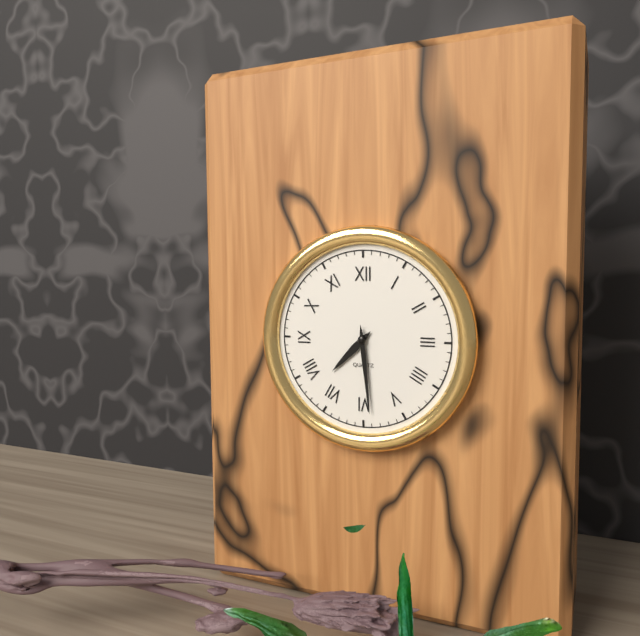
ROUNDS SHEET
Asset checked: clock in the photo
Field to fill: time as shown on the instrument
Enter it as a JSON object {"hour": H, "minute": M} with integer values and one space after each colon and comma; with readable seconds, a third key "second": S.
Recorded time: {"hour": 7, "minute": 29}
